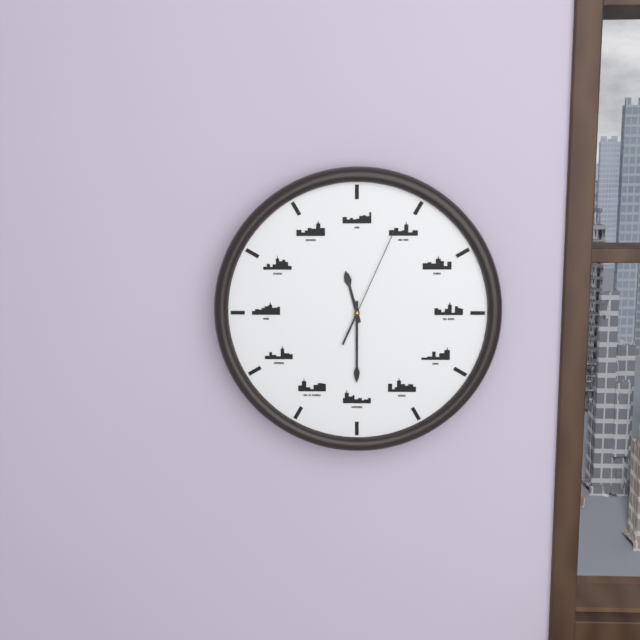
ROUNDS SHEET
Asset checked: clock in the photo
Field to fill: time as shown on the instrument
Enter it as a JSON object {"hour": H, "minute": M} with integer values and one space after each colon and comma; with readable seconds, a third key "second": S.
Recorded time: {"hour": 11, "minute": 30, "second": 4}
